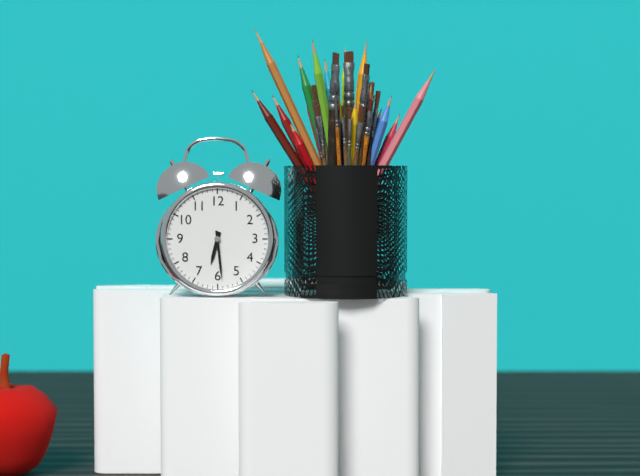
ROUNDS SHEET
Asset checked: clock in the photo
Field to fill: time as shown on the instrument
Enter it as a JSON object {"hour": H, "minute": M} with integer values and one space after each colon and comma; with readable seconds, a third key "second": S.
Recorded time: {"hour": 6, "minute": 29}
